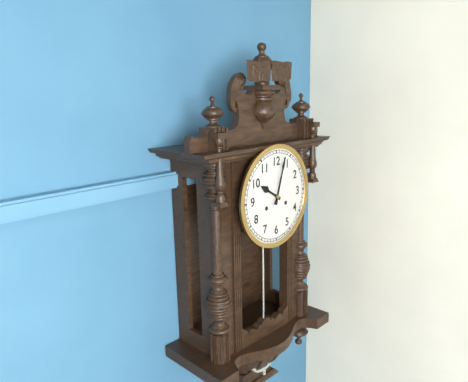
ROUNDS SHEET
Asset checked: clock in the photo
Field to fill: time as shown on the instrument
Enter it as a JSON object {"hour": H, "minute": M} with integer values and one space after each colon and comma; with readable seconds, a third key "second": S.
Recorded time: {"hour": 10, "minute": 3}
